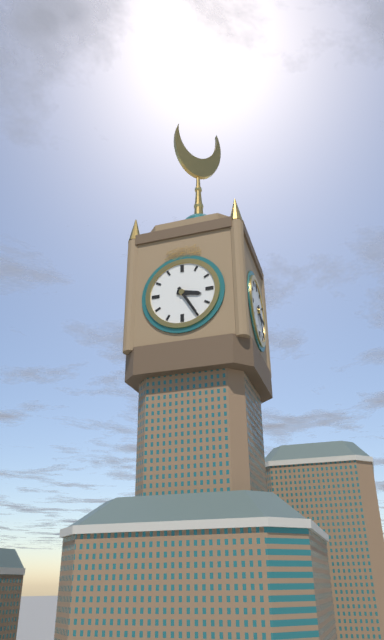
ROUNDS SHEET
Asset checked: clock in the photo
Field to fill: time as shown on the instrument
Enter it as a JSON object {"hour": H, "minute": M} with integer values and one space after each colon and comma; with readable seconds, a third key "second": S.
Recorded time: {"hour": 3, "minute": 25}
